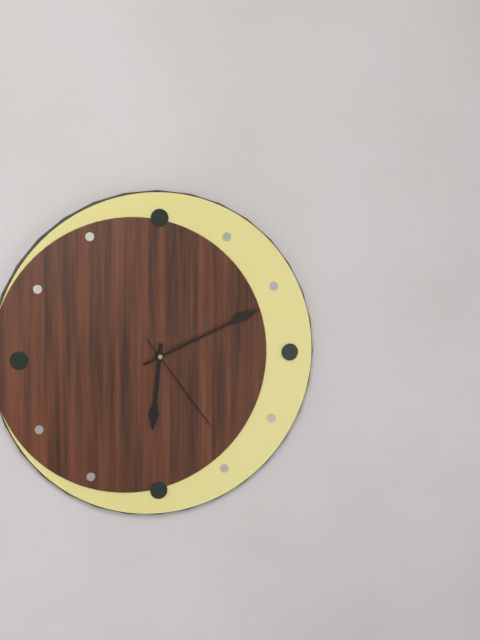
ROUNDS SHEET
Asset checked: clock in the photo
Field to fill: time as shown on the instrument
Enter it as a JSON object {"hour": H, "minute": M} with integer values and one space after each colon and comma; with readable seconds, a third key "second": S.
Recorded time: {"hour": 6, "minute": 11, "second": 24}
